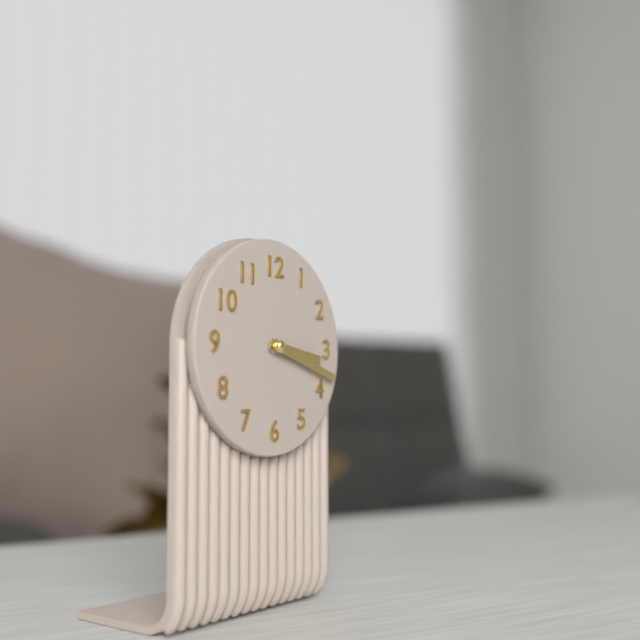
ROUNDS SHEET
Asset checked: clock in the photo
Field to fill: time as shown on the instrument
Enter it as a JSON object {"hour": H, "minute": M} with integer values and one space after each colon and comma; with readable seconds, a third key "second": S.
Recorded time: {"hour": 3, "minute": 18}
